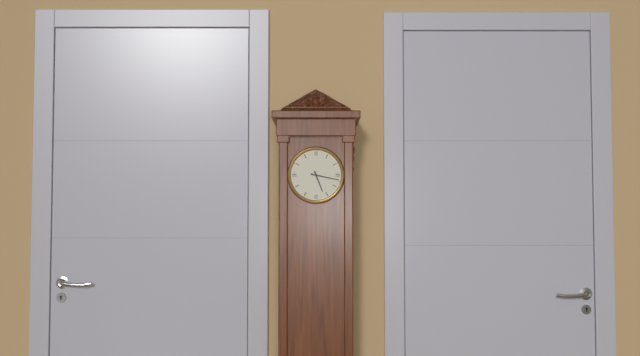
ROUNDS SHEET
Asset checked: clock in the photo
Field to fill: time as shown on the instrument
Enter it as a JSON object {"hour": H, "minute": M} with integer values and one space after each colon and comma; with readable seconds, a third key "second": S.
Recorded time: {"hour": 5, "minute": 17}
